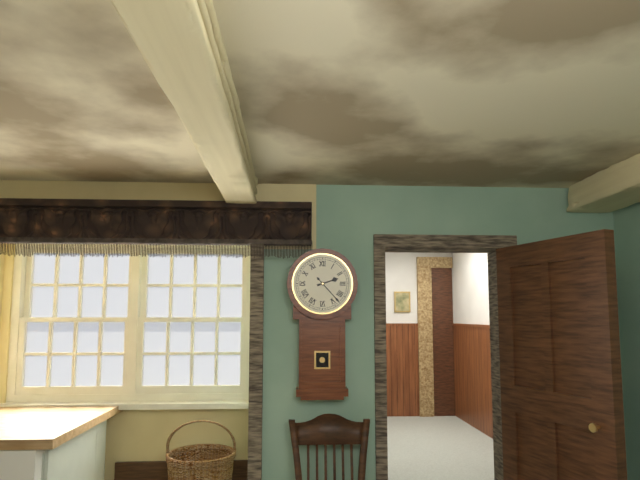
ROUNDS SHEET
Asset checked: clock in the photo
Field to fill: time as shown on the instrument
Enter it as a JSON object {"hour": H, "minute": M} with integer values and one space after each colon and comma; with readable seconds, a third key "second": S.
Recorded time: {"hour": 2, "minute": 23}
